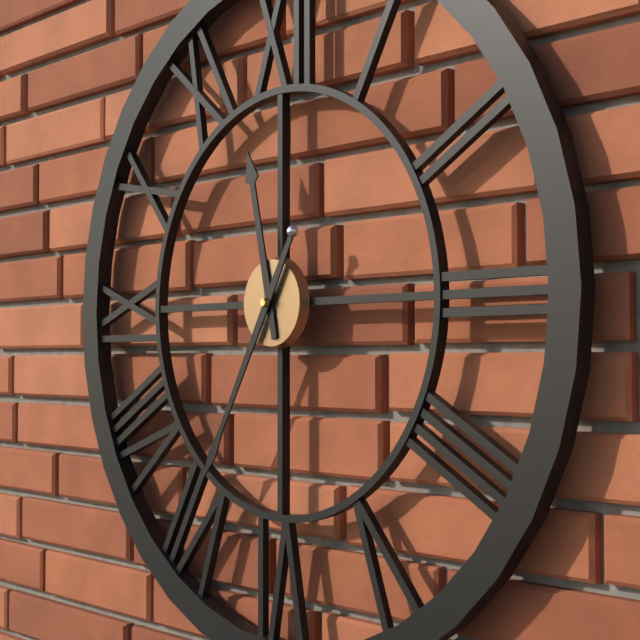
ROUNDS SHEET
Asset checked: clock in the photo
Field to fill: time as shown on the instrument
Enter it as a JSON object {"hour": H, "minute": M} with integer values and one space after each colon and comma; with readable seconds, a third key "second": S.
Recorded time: {"hour": 11, "minute": 35}
